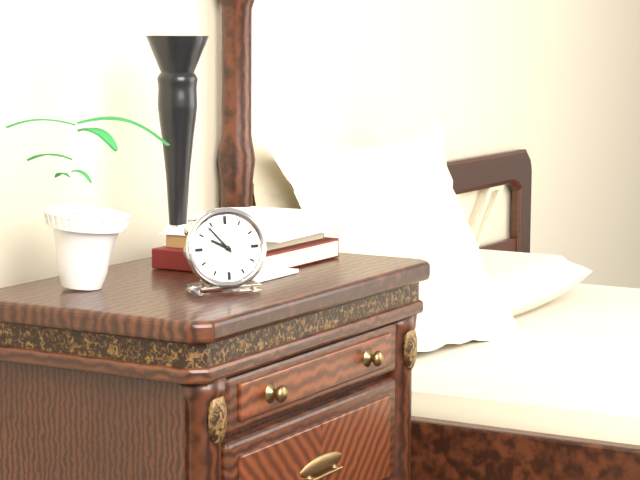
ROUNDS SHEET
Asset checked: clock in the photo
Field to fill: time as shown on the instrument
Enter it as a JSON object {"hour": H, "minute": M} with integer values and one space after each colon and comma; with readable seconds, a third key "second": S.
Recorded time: {"hour": 9, "minute": 53}
